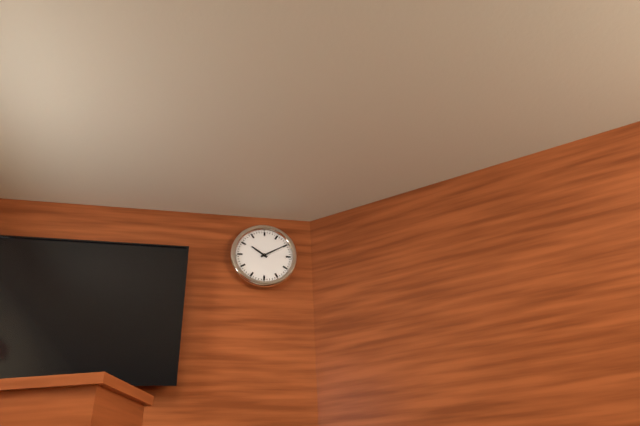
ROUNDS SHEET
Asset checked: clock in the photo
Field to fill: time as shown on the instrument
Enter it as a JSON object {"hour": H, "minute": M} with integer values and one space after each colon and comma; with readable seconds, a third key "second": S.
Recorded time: {"hour": 10, "minute": 10}
